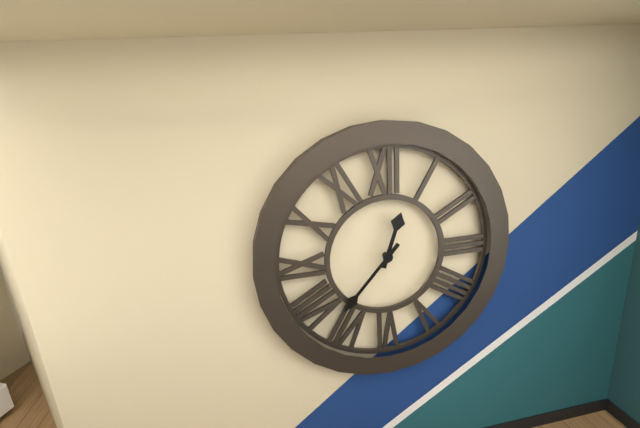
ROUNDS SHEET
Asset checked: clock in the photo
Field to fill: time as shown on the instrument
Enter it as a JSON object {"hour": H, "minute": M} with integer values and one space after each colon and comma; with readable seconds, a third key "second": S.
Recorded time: {"hour": 12, "minute": 37}
